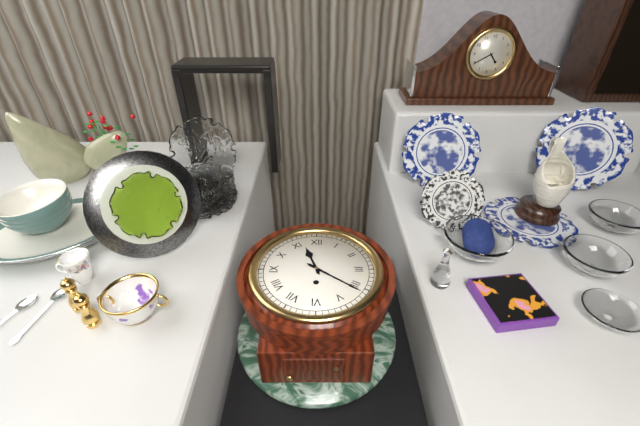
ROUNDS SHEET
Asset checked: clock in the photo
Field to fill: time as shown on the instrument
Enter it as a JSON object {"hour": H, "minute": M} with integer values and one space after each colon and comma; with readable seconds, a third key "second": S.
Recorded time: {"hour": 11, "minute": 21}
